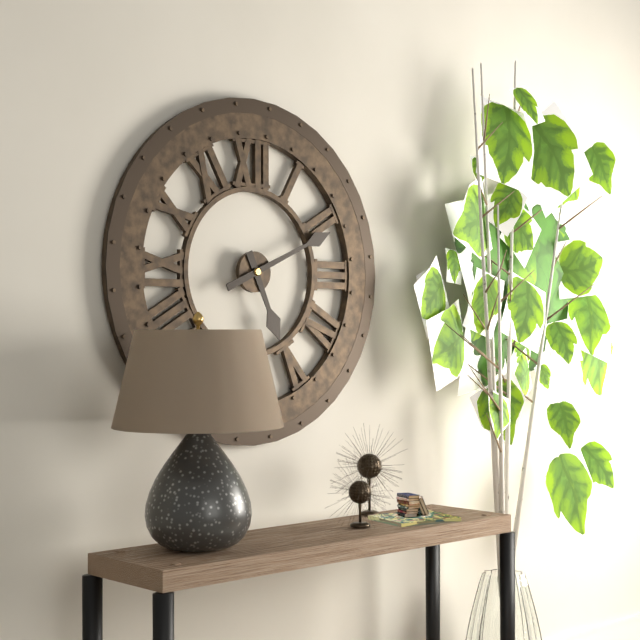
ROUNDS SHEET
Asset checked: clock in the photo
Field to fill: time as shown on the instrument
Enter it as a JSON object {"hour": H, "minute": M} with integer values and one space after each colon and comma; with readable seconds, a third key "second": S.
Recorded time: {"hour": 5, "minute": 11}
